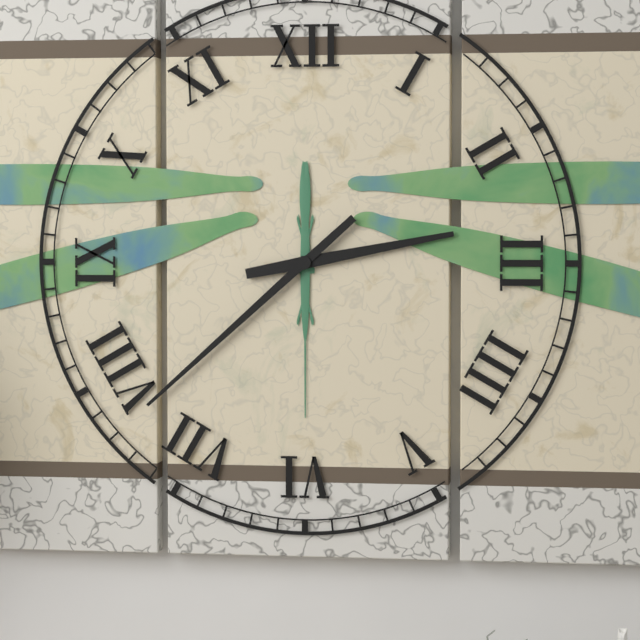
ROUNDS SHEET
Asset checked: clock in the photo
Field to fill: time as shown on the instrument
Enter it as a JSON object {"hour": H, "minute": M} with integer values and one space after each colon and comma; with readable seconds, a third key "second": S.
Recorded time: {"hour": 2, "minute": 38}
